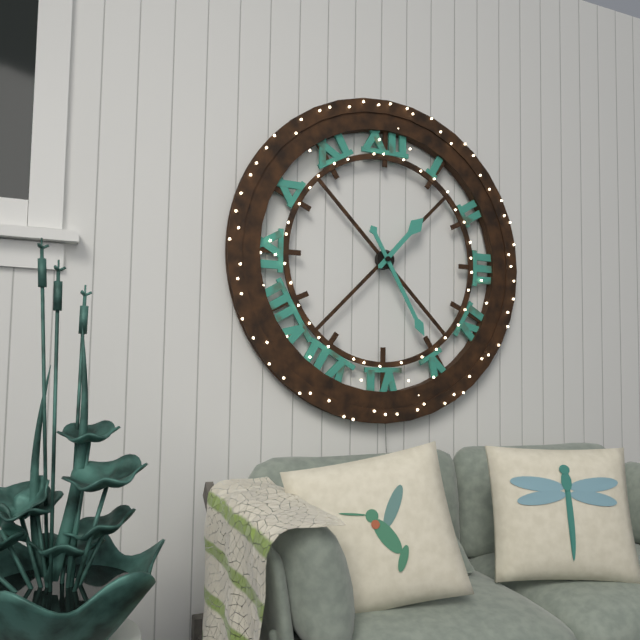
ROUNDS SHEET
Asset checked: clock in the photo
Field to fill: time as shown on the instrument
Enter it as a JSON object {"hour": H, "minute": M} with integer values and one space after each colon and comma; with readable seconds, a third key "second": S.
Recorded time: {"hour": 1, "minute": 25}
